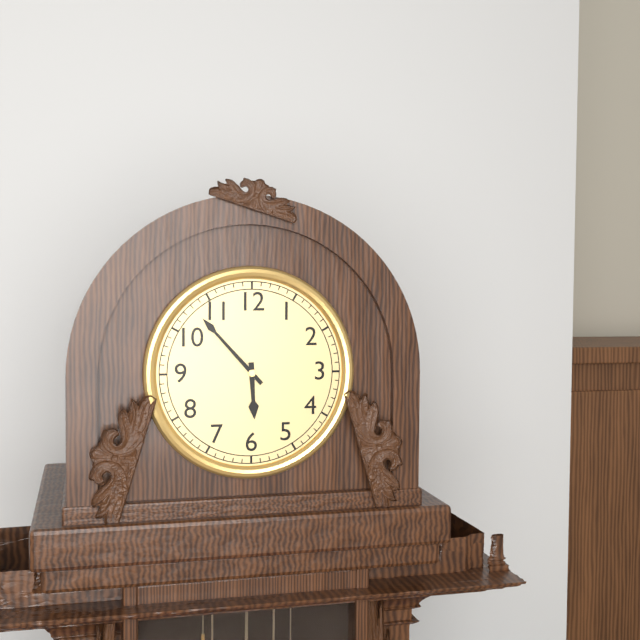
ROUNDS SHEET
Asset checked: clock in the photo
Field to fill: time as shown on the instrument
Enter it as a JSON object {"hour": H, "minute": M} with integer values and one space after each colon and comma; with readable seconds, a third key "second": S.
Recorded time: {"hour": 5, "minute": 53}
